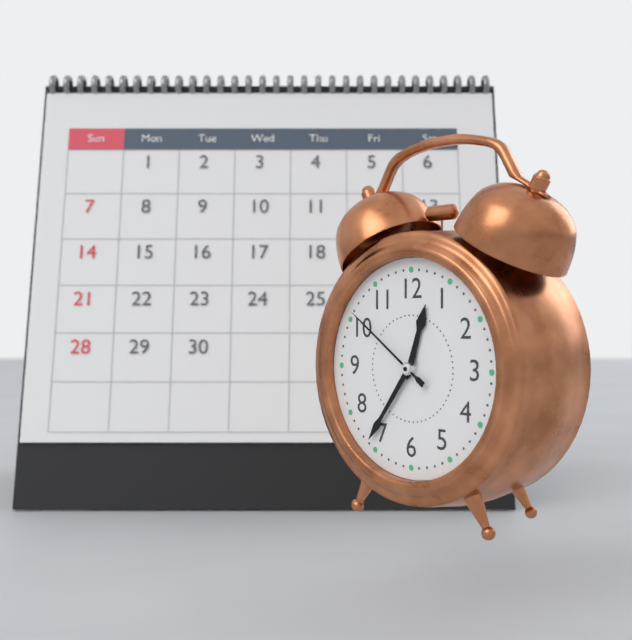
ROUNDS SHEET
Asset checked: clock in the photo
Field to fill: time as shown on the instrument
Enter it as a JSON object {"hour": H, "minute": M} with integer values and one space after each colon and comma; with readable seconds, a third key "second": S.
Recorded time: {"hour": 12, "minute": 36, "second": 51}
